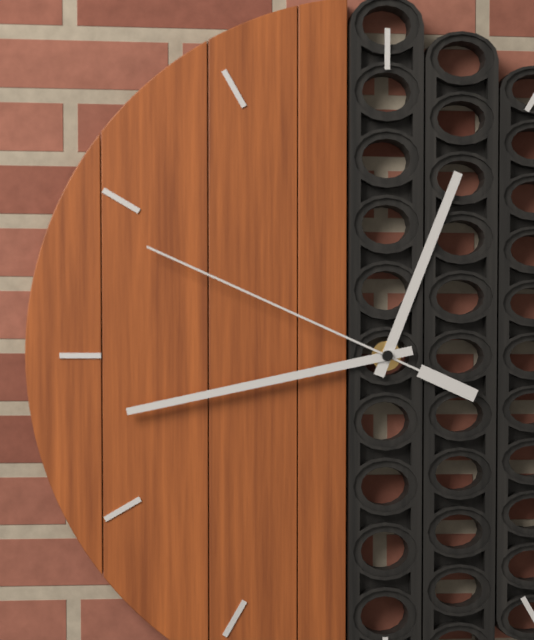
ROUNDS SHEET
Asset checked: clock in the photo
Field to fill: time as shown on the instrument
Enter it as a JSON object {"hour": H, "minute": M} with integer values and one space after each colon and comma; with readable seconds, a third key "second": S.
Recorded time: {"hour": 12, "minute": 43, "second": 49}
